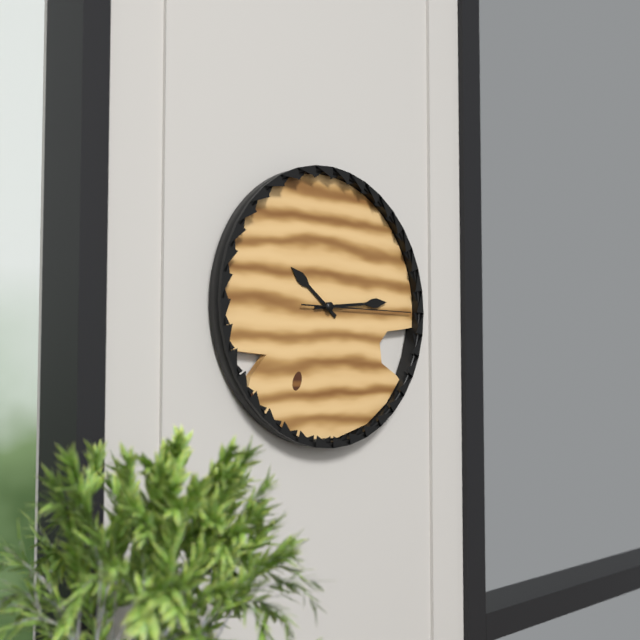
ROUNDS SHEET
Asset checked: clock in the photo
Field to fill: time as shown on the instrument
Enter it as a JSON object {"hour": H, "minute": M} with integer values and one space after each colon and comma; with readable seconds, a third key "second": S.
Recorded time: {"hour": 10, "minute": 14, "second": 15}
